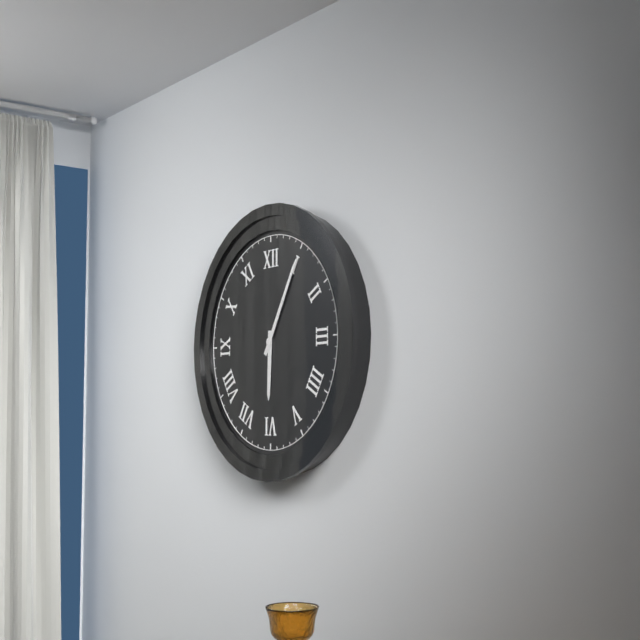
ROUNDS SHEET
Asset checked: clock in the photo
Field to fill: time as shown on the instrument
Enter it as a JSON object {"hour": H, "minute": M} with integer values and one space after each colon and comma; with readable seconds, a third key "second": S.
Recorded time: {"hour": 6, "minute": 5}
